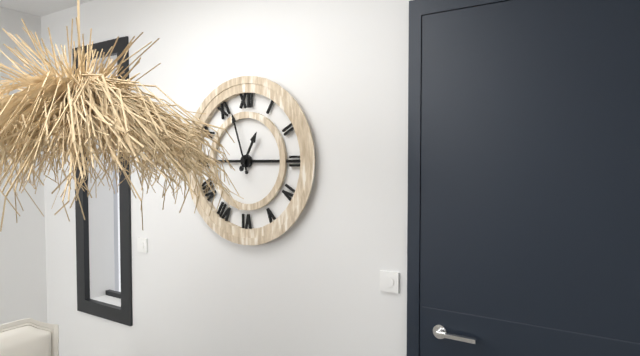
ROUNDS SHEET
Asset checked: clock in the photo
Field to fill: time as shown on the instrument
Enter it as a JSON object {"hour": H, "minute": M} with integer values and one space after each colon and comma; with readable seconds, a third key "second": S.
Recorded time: {"hour": 12, "minute": 57}
